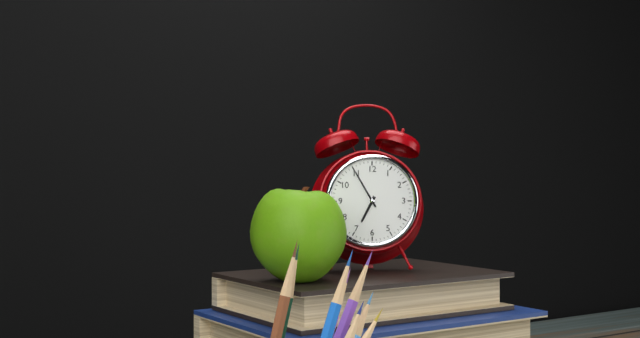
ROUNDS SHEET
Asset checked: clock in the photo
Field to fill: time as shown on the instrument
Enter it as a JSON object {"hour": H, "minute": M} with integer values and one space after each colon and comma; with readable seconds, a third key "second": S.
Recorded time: {"hour": 6, "minute": 55}
